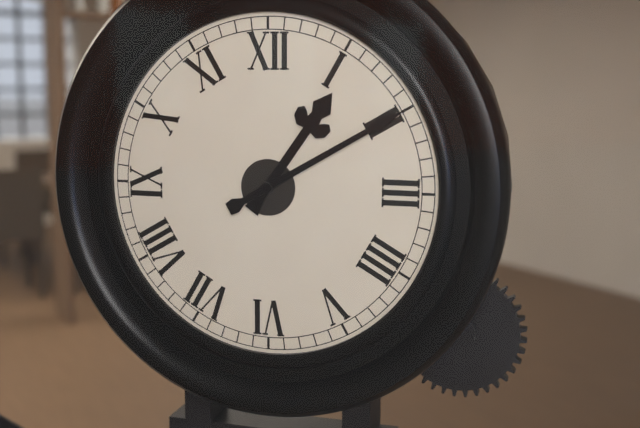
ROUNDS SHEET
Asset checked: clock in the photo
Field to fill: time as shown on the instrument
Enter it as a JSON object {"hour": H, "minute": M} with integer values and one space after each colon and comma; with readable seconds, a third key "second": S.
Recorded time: {"hour": 1, "minute": 10}
